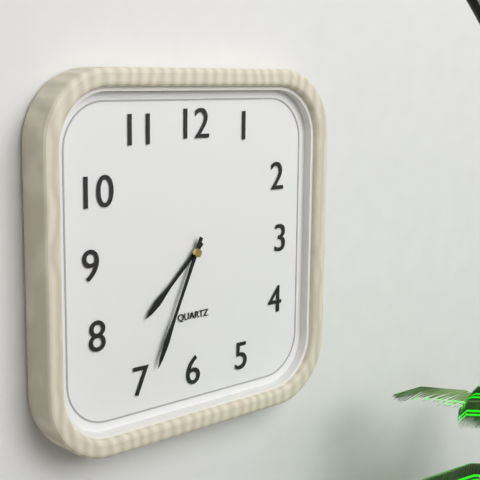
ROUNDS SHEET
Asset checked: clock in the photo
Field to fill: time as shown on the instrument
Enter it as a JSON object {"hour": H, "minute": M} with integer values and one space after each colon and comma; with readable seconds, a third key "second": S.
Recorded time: {"hour": 7, "minute": 34}
